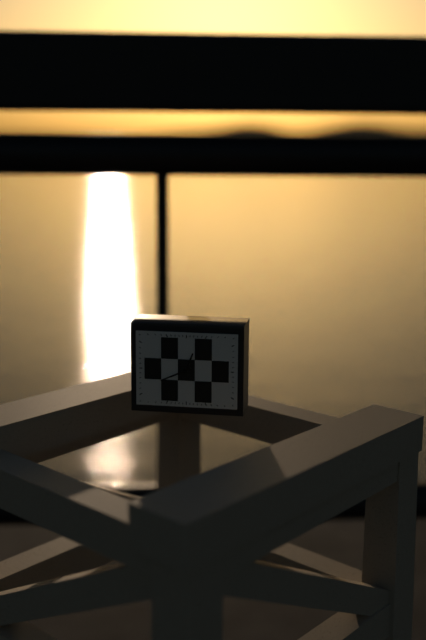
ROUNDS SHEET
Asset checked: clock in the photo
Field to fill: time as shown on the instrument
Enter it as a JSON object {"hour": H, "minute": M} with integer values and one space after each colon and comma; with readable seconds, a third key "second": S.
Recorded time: {"hour": 12, "minute": 41}
